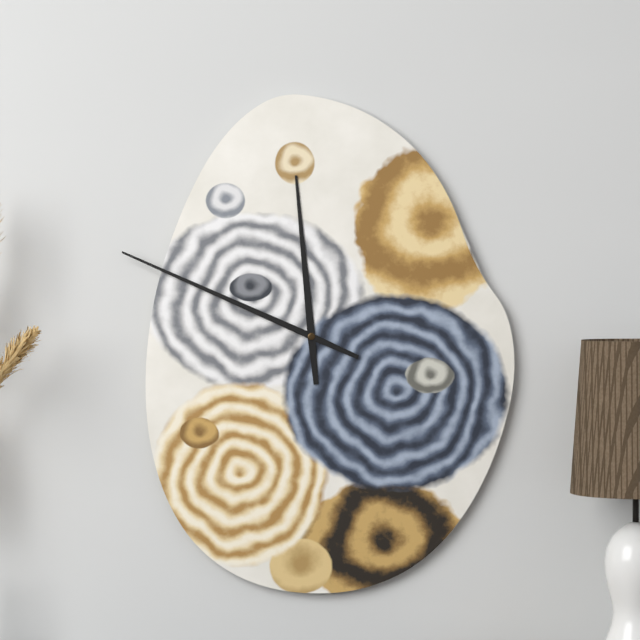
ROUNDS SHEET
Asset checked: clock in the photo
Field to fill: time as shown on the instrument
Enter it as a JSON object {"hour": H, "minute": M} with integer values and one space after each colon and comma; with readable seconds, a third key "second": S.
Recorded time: {"hour": 11, "minute": 49}
